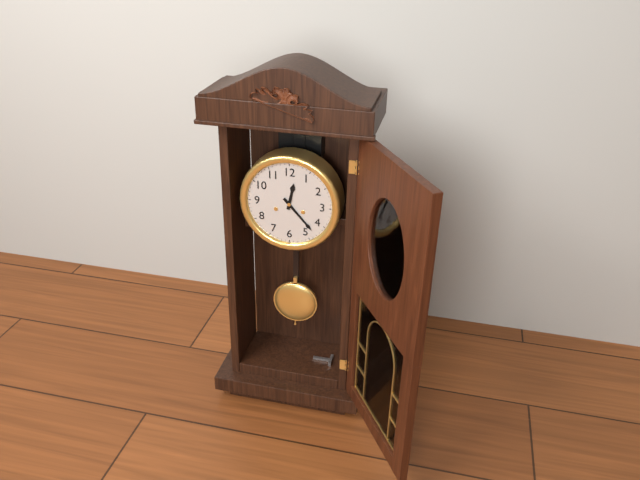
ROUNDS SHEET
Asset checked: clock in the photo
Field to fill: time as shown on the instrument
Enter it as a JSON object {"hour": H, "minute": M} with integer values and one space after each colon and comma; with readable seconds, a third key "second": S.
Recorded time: {"hour": 12, "minute": 23}
